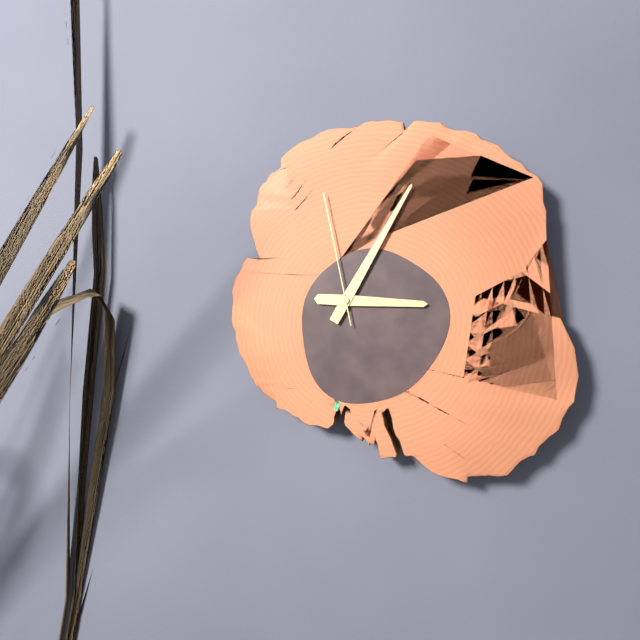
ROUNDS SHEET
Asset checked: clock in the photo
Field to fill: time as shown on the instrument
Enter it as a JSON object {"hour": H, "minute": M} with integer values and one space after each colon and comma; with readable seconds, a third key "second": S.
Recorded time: {"hour": 3, "minute": 5, "second": 58}
